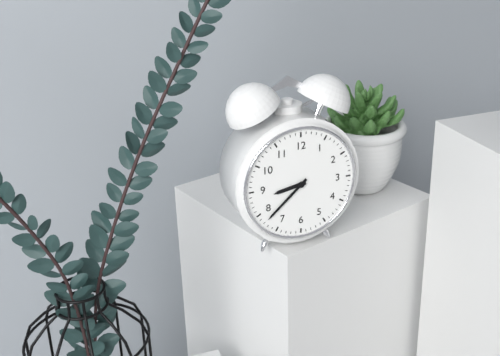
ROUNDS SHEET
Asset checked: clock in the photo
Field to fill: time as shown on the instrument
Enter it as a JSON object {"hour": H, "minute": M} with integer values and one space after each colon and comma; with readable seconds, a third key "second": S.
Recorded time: {"hour": 8, "minute": 38}
